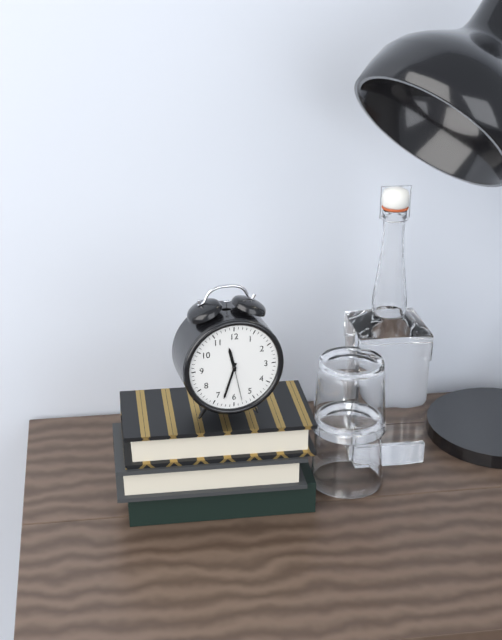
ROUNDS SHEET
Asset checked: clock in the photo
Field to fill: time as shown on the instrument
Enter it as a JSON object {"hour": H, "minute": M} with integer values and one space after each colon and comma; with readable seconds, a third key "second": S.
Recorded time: {"hour": 11, "minute": 33}
